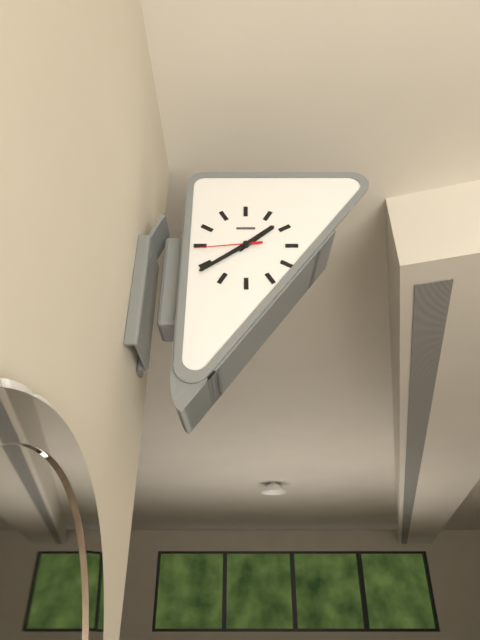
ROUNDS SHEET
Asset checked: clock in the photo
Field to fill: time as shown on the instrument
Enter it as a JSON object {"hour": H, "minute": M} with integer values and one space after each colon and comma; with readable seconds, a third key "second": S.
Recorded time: {"hour": 1, "minute": 39, "second": 44}
